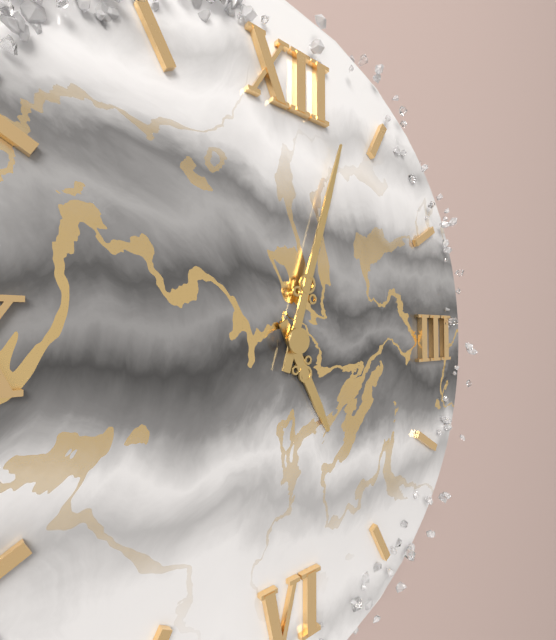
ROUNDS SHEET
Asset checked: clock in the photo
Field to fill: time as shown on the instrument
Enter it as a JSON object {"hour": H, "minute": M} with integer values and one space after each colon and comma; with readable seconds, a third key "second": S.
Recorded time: {"hour": 5, "minute": 3}
